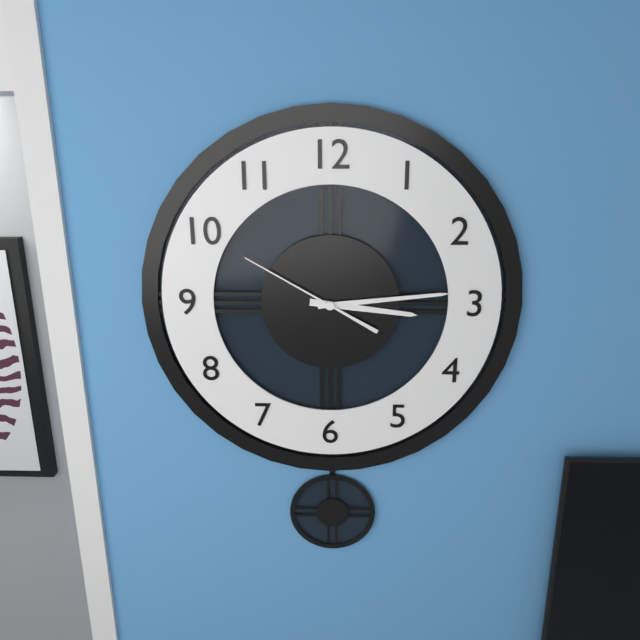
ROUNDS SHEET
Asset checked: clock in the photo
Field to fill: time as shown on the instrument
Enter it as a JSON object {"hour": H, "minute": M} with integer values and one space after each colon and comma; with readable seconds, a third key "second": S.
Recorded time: {"hour": 3, "minute": 14, "second": 50}
